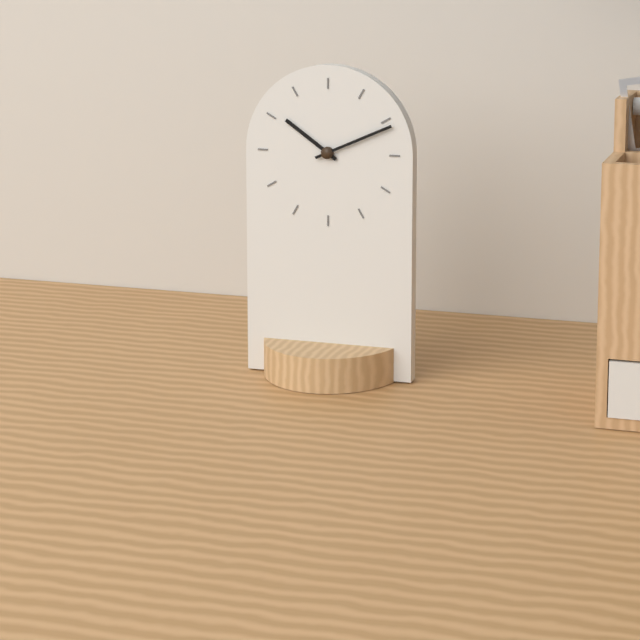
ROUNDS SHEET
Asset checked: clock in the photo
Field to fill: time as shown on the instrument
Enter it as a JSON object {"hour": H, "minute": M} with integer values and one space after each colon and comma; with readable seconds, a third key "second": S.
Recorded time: {"hour": 10, "minute": 11}
